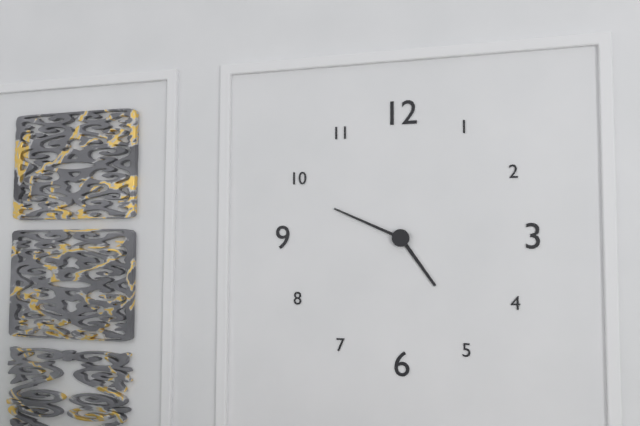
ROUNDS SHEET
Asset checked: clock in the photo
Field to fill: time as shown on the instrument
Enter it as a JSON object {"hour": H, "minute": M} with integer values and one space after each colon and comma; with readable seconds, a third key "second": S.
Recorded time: {"hour": 4, "minute": 49}
